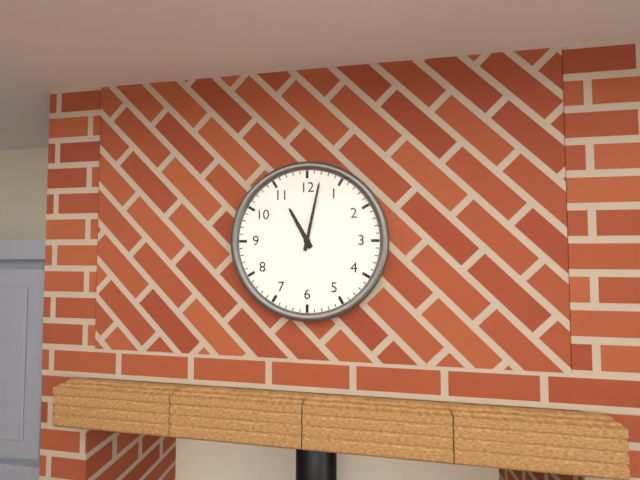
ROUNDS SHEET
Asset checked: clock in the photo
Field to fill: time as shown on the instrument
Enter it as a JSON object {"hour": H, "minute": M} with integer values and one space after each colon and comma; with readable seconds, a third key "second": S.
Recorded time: {"hour": 11, "minute": 2}
